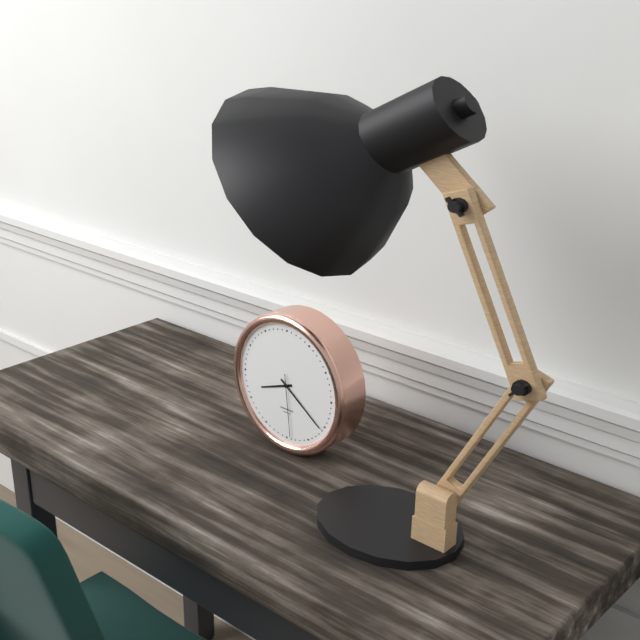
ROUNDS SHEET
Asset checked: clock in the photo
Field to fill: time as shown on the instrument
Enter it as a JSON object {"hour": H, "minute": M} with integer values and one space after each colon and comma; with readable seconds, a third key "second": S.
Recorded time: {"hour": 8, "minute": 21, "second": 29}
